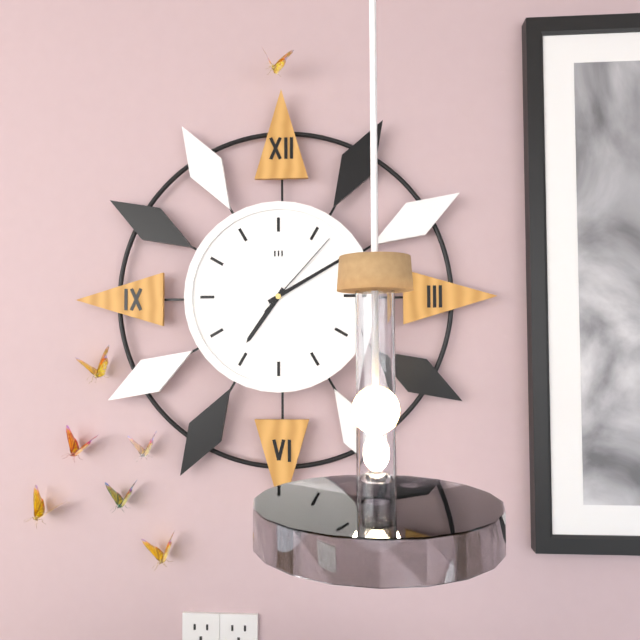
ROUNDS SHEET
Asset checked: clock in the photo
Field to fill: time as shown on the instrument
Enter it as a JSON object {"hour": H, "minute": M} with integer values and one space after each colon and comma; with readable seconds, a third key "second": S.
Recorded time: {"hour": 7, "minute": 10, "second": 7}
